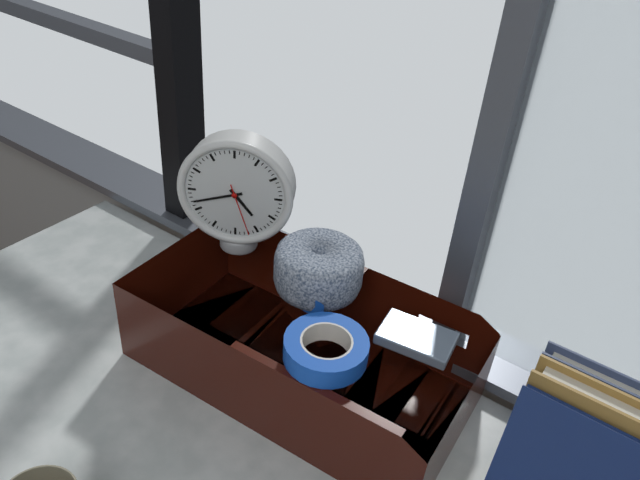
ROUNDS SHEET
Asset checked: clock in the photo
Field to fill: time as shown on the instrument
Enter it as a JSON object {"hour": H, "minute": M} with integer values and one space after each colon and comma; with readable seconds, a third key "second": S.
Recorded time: {"hour": 4, "minute": 42, "second": 27}
